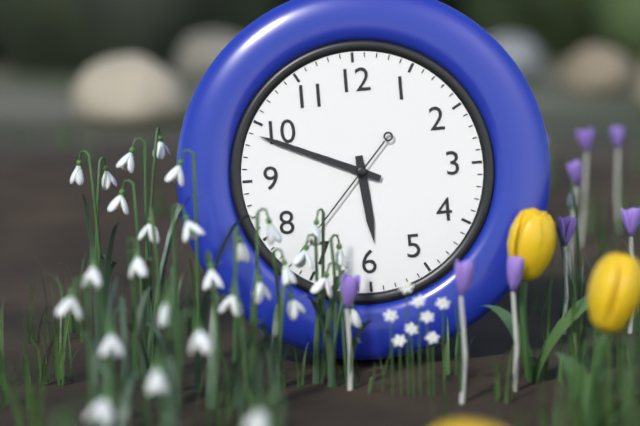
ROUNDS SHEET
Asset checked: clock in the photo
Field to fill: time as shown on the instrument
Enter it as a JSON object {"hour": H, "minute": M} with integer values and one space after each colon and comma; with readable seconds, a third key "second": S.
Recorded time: {"hour": 5, "minute": 49}
